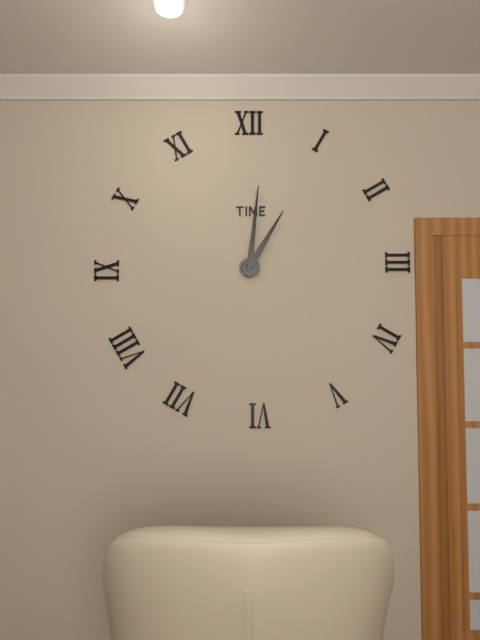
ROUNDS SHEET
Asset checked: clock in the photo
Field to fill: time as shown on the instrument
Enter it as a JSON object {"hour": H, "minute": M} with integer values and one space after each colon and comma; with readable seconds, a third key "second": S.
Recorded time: {"hour": 1, "minute": 1}
